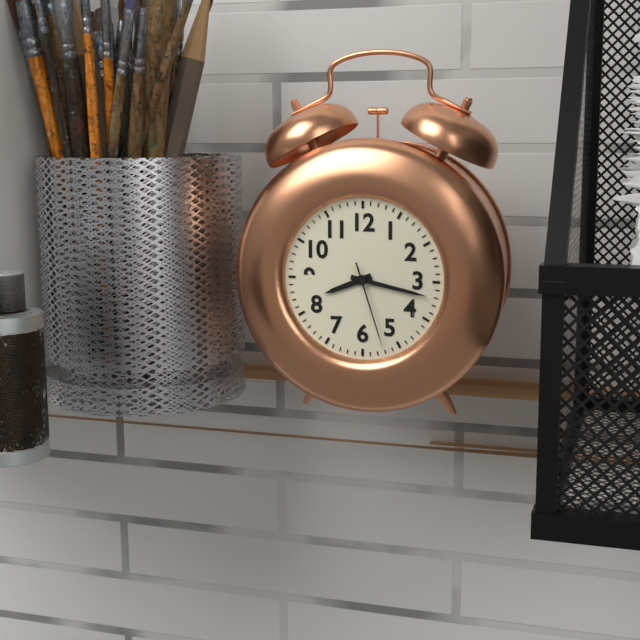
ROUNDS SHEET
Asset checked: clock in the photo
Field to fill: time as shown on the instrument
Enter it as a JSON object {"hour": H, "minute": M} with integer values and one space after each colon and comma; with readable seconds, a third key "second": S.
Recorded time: {"hour": 8, "minute": 17, "second": 27}
